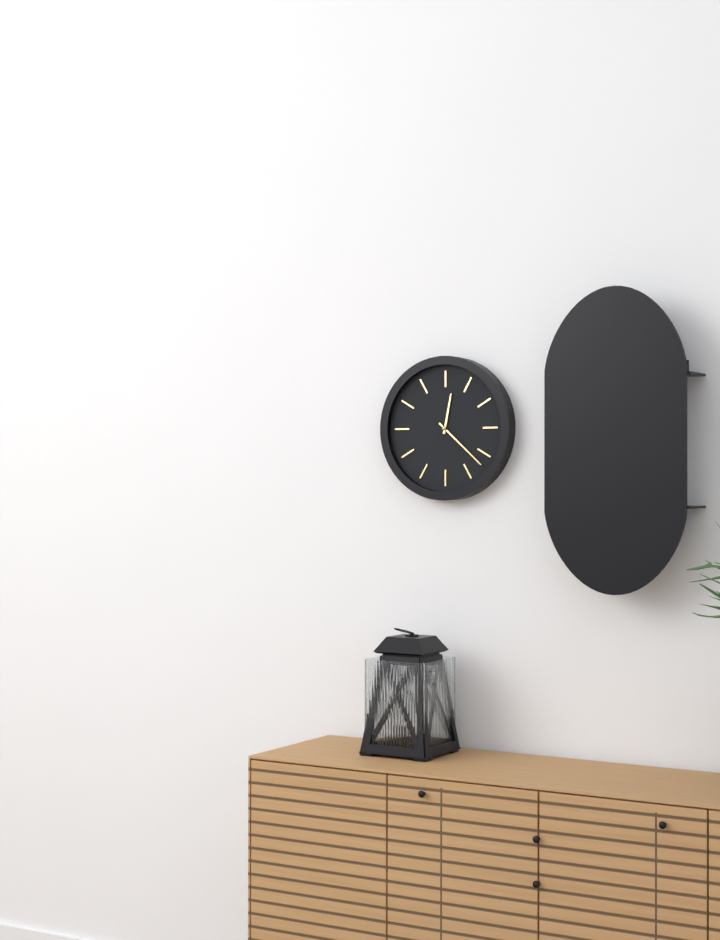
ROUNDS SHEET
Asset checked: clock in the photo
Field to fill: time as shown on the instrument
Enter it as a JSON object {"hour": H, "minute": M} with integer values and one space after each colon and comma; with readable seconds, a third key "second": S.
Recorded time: {"hour": 12, "minute": 22}
